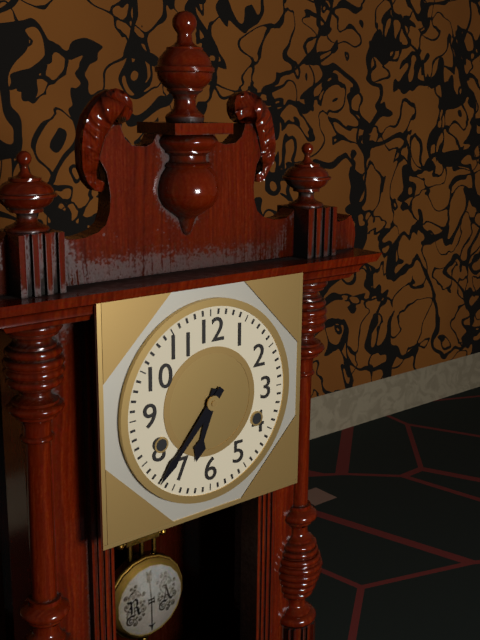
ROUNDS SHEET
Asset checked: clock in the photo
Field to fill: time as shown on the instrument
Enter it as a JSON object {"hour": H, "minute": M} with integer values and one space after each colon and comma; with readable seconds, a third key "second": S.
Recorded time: {"hour": 6, "minute": 37}
